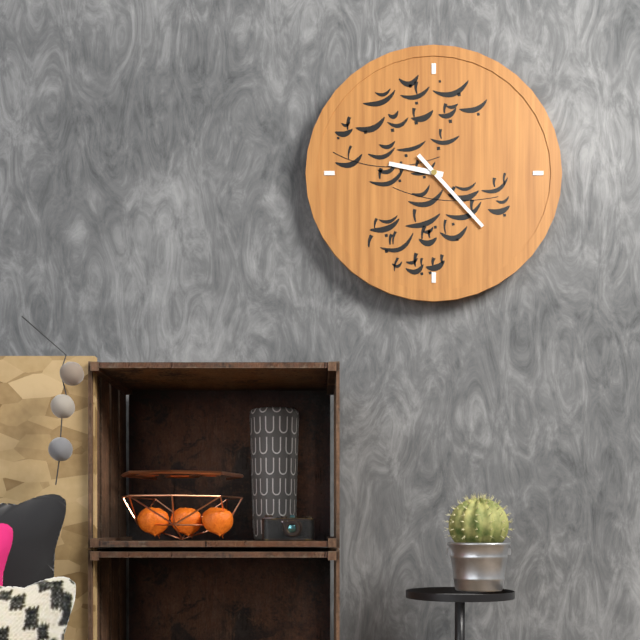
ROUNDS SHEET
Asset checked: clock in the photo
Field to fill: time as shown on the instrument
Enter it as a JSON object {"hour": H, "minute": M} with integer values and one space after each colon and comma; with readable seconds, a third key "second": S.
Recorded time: {"hour": 9, "minute": 23}
